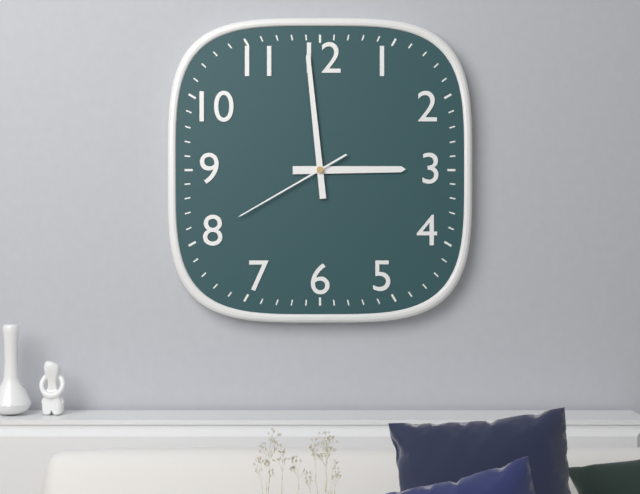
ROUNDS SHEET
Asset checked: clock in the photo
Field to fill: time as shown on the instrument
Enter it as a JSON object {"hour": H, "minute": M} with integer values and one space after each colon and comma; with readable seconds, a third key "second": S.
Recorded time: {"hour": 2, "minute": 59, "second": 40}
